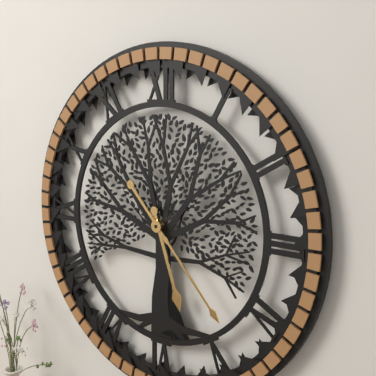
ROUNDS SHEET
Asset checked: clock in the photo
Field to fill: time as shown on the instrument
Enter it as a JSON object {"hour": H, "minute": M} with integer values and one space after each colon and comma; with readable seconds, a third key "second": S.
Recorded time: {"hour": 5, "minute": 23}
